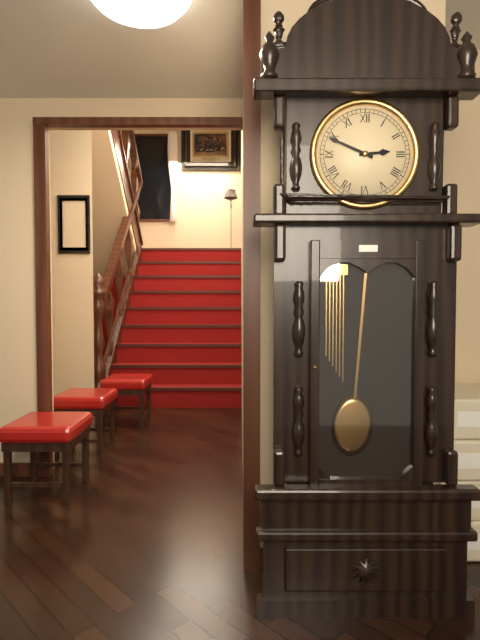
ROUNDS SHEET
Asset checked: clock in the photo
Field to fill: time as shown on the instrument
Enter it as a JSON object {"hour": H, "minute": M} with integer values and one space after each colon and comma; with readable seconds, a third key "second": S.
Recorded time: {"hour": 2, "minute": 49}
